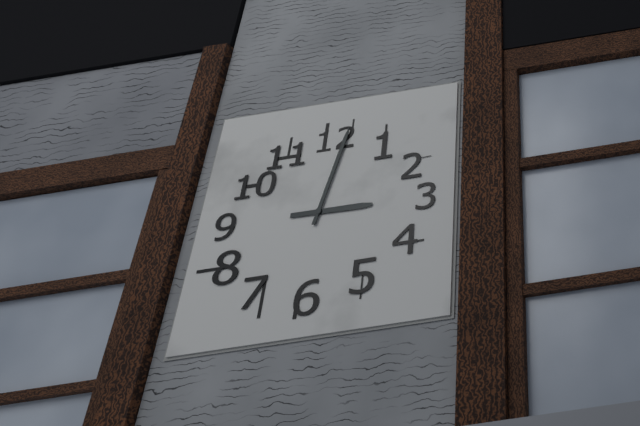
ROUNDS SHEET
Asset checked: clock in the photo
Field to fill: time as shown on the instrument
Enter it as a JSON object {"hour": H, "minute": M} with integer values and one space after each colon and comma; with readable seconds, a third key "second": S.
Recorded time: {"hour": 3, "minute": 2}
